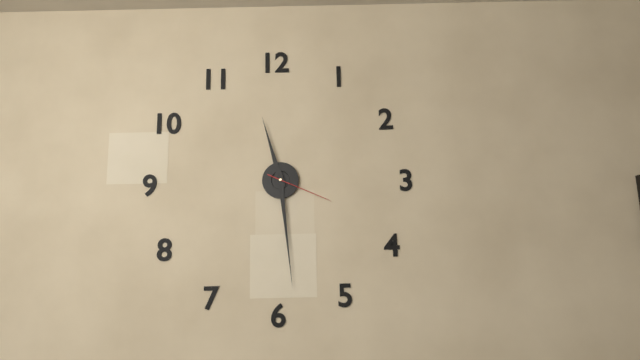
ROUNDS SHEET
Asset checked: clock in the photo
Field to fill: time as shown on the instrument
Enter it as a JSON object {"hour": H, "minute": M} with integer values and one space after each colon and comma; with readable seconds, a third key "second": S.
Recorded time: {"hour": 11, "minute": 29, "second": 19}
